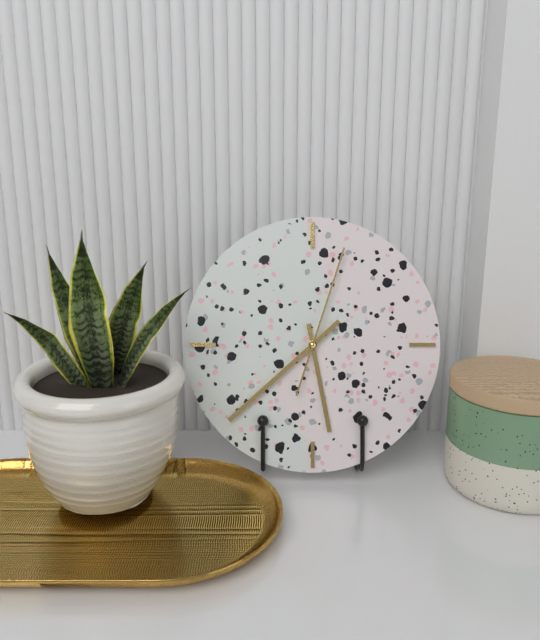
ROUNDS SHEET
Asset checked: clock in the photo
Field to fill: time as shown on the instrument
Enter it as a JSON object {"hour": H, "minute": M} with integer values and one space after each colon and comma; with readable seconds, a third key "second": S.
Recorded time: {"hour": 5, "minute": 38, "second": 3}
